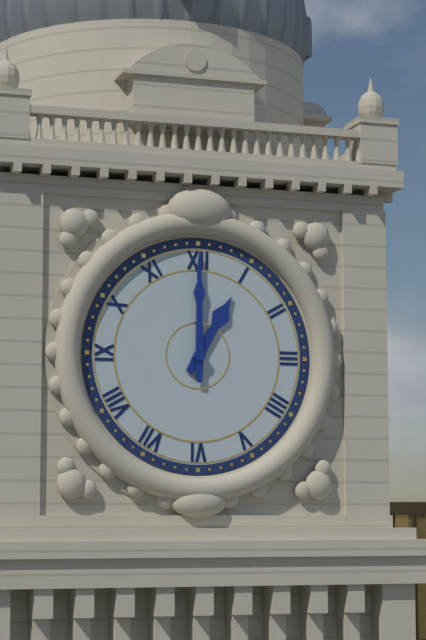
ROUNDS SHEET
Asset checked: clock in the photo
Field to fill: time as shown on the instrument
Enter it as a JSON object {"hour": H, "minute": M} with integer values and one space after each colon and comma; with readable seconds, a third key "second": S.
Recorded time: {"hour": 1, "minute": 0}
